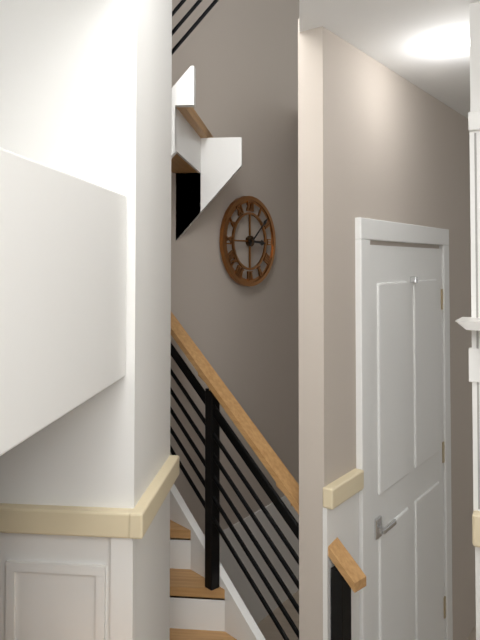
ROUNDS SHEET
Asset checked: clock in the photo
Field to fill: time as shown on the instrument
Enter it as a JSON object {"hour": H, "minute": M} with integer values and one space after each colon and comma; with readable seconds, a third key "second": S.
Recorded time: {"hour": 3, "minute": 8}
